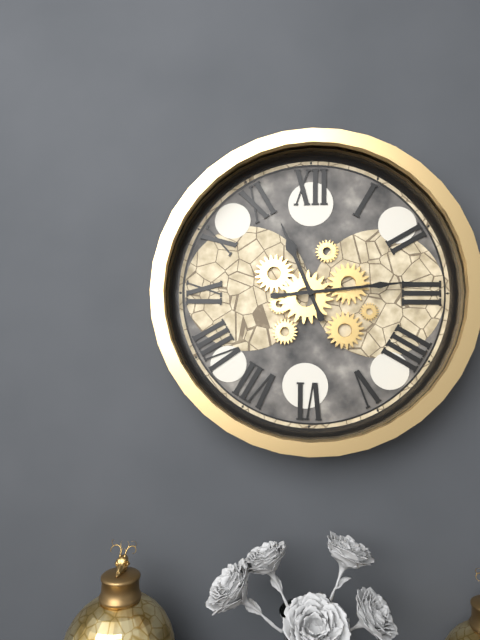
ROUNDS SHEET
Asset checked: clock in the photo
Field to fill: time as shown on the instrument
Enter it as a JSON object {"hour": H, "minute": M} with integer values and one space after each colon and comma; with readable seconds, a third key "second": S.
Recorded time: {"hour": 11, "minute": 14}
